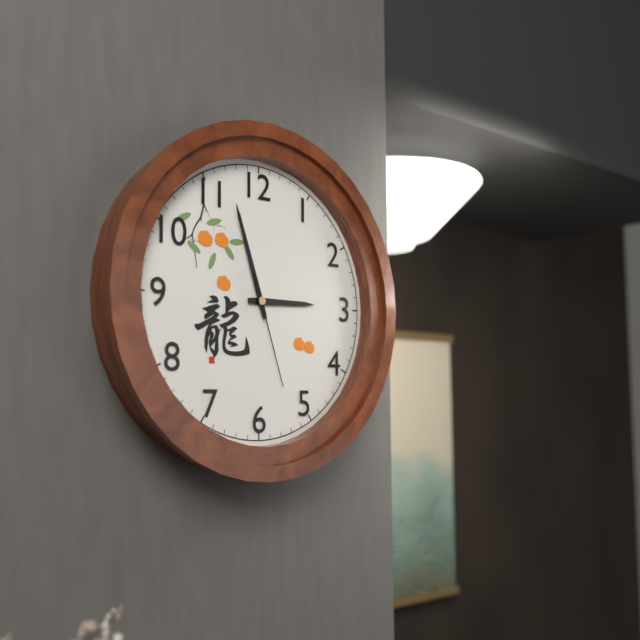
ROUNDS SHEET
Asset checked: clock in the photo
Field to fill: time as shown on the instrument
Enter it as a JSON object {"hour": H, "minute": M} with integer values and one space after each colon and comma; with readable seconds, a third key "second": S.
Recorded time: {"hour": 2, "minute": 57, "second": 27}
